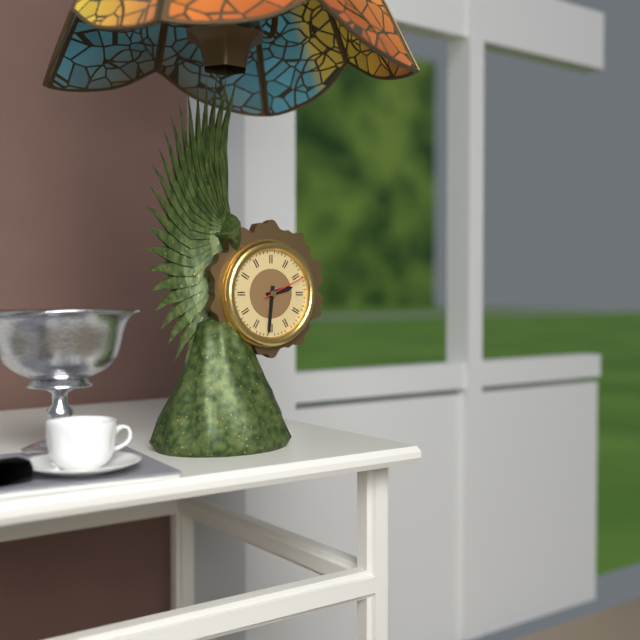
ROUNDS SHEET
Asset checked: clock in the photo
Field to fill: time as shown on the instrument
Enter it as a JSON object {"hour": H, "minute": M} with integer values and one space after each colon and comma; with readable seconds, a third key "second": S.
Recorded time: {"hour": 2, "minute": 31}
